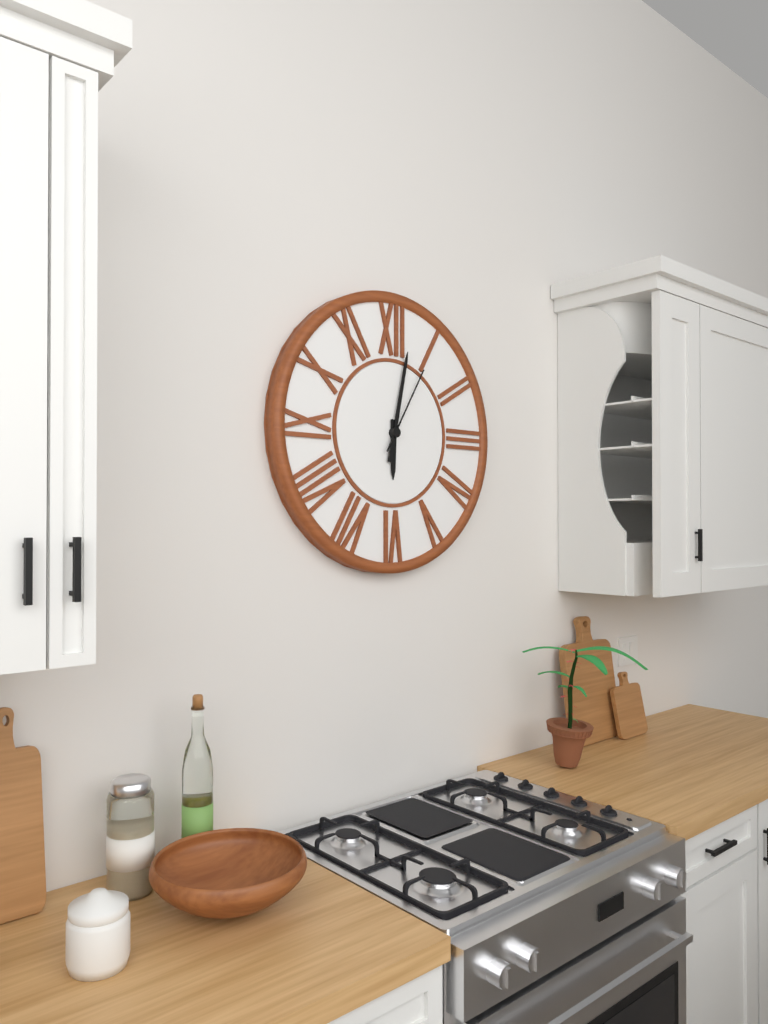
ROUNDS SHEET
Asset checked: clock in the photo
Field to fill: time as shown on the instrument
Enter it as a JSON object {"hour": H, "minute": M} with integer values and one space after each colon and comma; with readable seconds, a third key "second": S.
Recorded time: {"hour": 6, "minute": 2, "second": 5}
